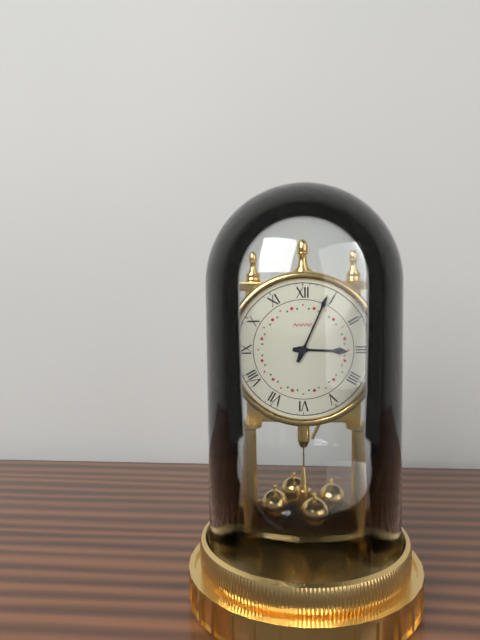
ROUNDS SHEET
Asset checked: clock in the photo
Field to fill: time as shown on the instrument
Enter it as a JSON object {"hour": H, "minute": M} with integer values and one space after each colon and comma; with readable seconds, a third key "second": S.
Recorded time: {"hour": 3, "minute": 4}
